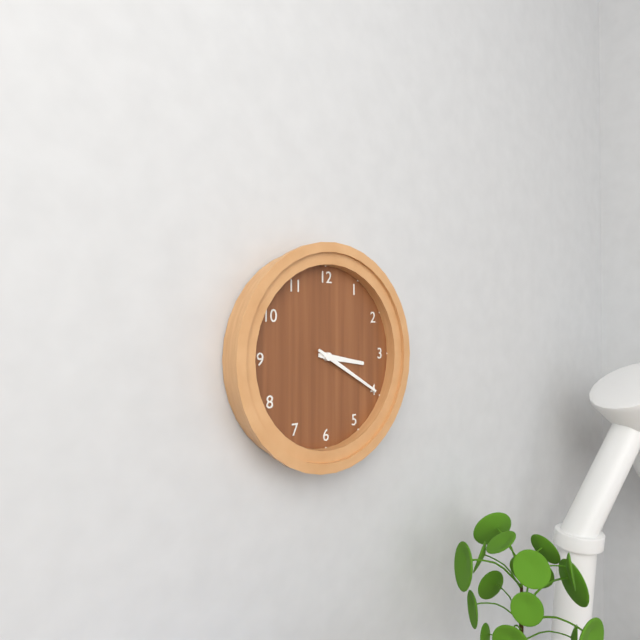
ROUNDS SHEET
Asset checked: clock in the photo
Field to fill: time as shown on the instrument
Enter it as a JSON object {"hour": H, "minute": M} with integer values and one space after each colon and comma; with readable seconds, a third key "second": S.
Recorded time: {"hour": 3, "minute": 20}
